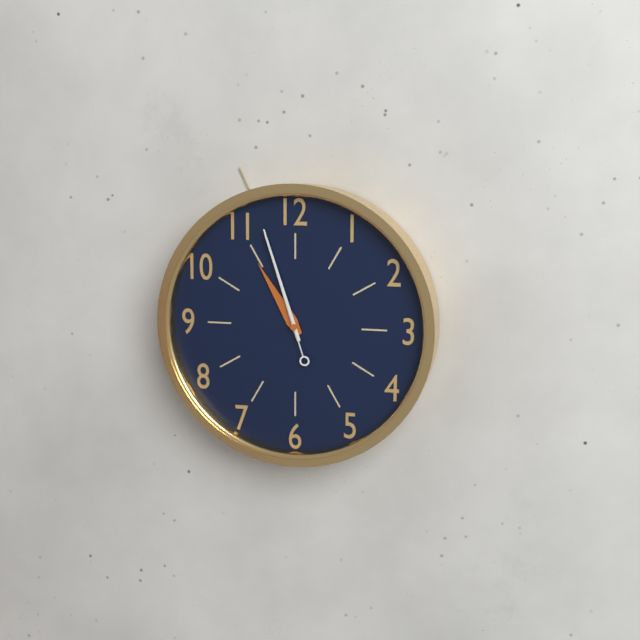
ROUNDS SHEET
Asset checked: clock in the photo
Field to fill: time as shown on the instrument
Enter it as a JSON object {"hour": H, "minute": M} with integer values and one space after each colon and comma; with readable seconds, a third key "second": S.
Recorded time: {"hour": 10, "minute": 57, "second": 57}
